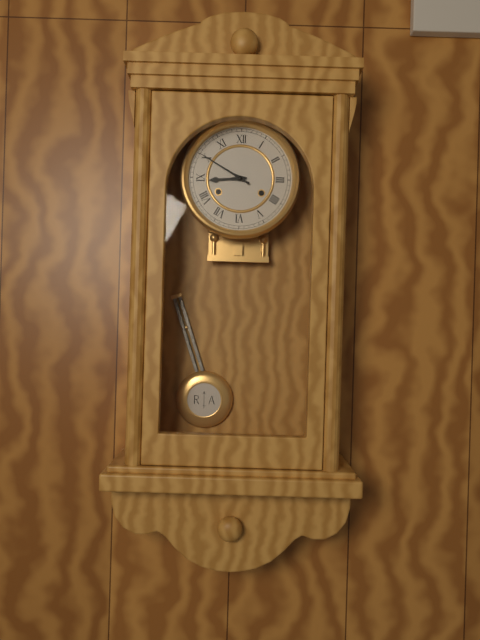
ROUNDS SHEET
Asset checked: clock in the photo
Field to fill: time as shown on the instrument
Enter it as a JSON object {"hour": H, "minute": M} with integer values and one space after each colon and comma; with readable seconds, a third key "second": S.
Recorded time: {"hour": 8, "minute": 50}
